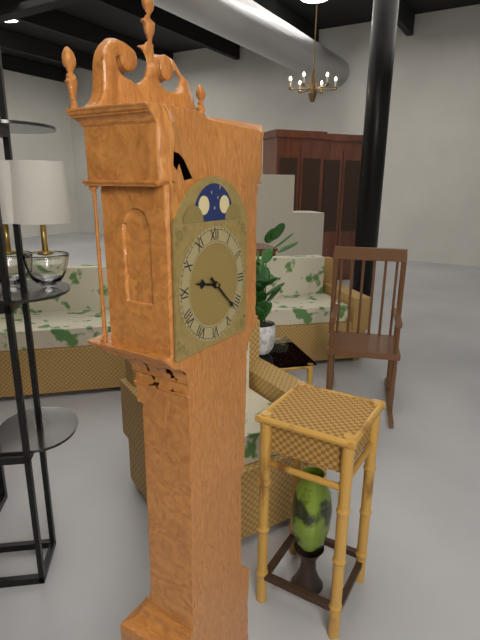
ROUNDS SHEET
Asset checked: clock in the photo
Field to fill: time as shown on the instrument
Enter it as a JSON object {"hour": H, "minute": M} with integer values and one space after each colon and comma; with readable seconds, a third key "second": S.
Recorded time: {"hour": 9, "minute": 22}
